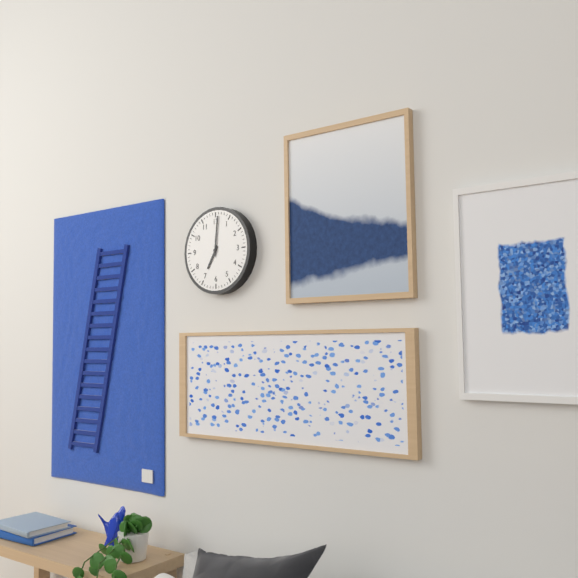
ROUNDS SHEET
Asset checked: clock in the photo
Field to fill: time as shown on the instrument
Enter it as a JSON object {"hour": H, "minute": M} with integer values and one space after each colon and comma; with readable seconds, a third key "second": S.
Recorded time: {"hour": 7, "minute": 1}
